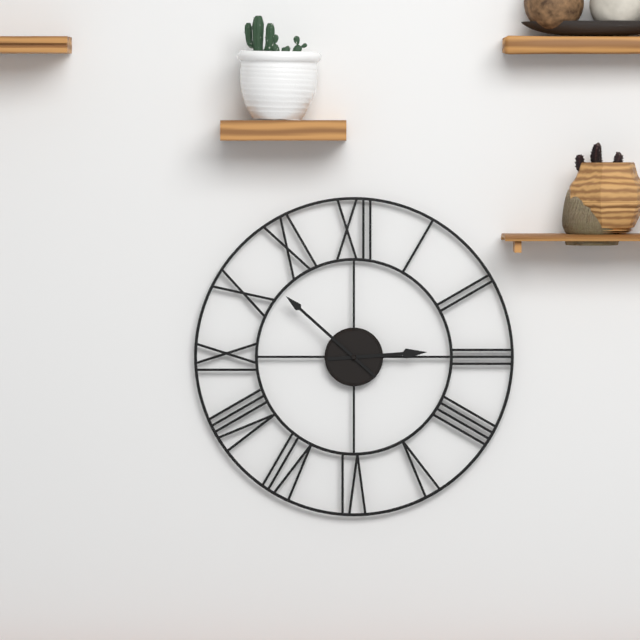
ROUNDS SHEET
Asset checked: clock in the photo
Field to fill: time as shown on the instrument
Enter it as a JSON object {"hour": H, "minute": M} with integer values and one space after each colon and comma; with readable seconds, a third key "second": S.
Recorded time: {"hour": 2, "minute": 52}
